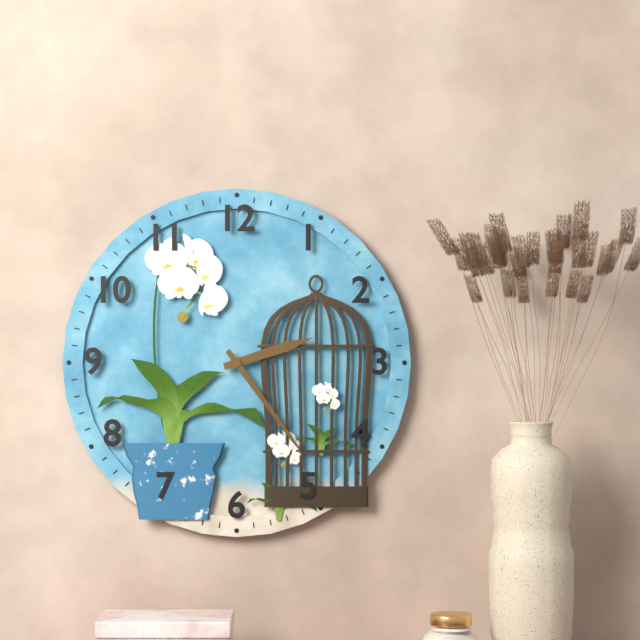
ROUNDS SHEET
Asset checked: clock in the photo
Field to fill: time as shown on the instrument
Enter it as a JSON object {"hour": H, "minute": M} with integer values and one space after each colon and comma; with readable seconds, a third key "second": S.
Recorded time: {"hour": 2, "minute": 24}
